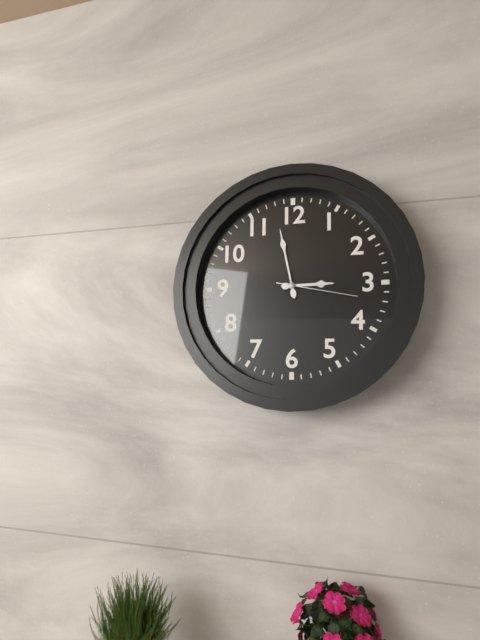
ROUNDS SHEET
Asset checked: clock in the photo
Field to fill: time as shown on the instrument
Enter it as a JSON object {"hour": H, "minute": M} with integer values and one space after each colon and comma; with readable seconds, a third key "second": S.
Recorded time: {"hour": 2, "minute": 58, "second": 17}
